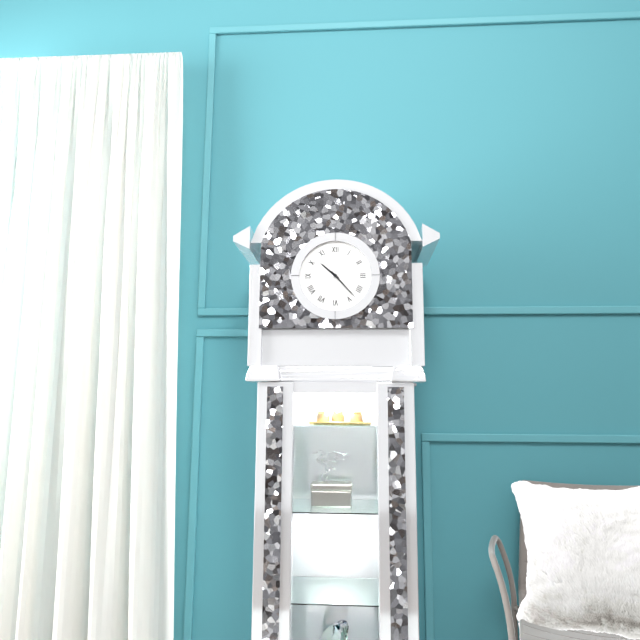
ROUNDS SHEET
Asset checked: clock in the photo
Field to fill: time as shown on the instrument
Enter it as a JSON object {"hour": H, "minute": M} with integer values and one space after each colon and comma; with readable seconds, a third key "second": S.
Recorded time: {"hour": 10, "minute": 23}
